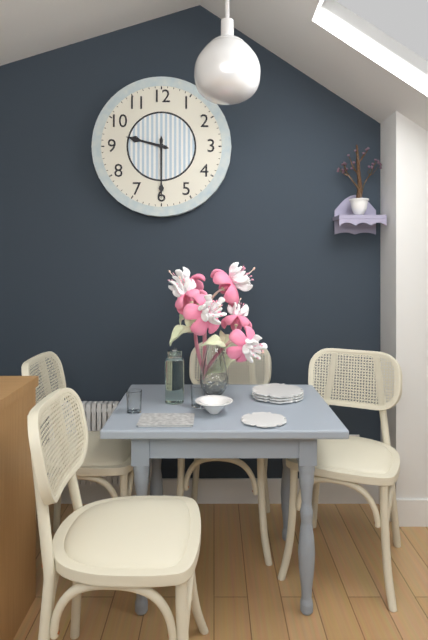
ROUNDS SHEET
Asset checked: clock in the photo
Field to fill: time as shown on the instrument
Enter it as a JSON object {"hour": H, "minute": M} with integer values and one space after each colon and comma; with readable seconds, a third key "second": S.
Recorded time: {"hour": 9, "minute": 30}
